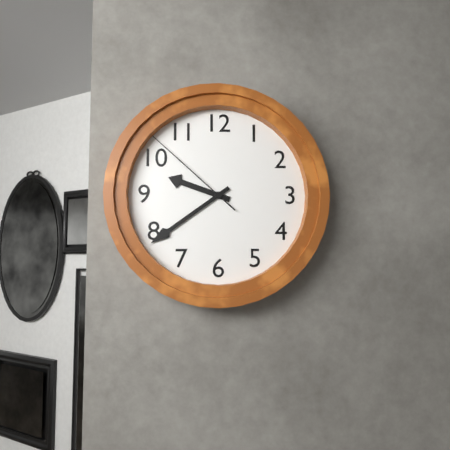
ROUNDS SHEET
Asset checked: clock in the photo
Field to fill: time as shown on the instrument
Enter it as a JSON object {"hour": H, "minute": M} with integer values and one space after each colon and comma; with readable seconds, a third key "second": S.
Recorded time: {"hour": 9, "minute": 39, "second": 52}
